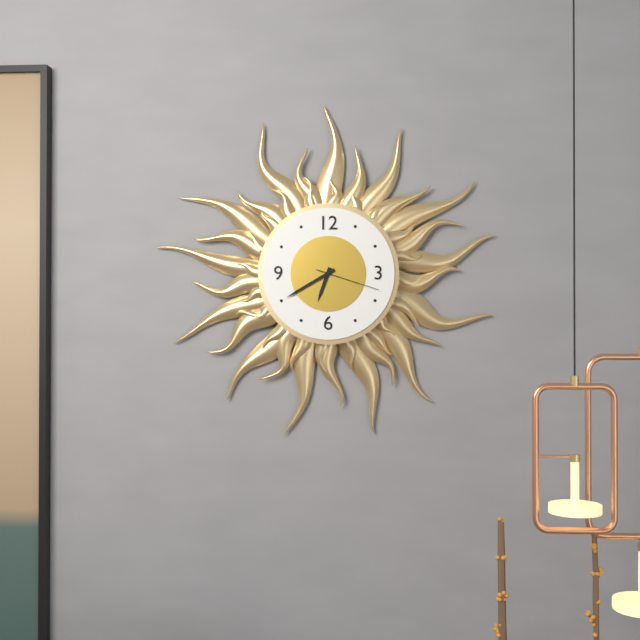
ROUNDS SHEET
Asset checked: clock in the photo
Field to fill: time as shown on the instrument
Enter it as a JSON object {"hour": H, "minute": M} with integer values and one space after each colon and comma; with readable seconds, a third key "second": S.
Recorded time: {"hour": 6, "minute": 40, "second": 18}
